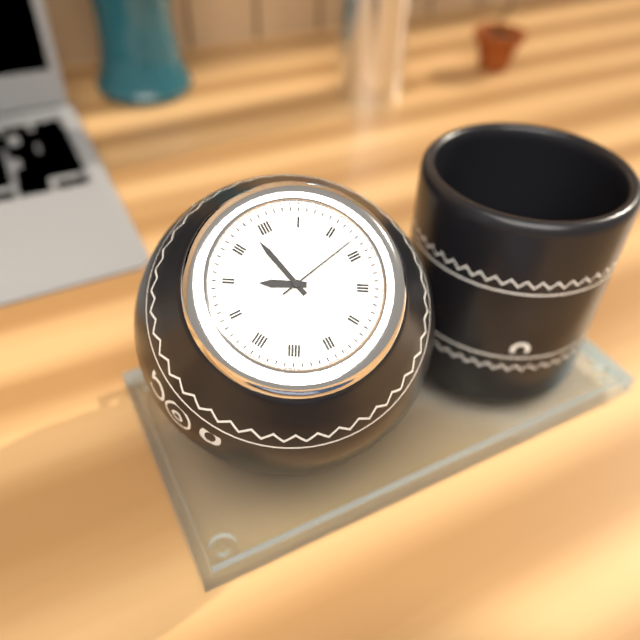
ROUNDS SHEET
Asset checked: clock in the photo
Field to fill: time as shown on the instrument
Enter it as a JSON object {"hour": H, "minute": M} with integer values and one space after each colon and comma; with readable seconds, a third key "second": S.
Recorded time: {"hour": 9, "minute": 58, "second": 13}
